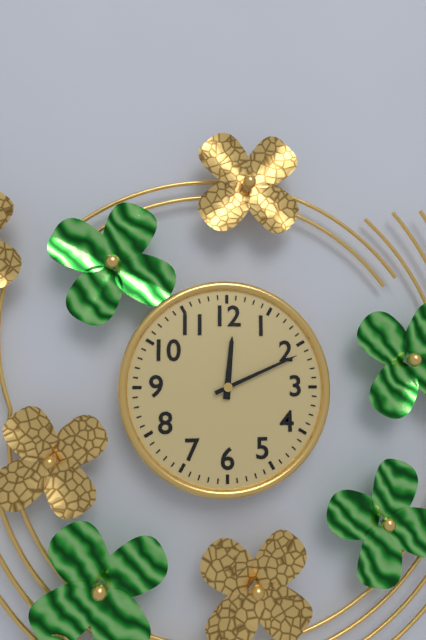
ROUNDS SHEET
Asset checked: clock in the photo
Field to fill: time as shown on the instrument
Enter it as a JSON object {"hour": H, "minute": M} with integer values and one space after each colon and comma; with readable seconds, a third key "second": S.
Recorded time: {"hour": 12, "minute": 11}
